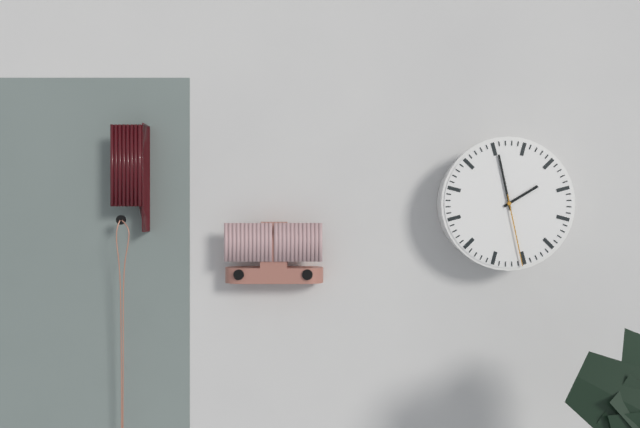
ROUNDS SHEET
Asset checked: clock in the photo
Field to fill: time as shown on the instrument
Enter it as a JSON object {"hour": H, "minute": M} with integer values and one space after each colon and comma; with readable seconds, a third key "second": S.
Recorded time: {"hour": 1, "minute": 58, "second": 28}
